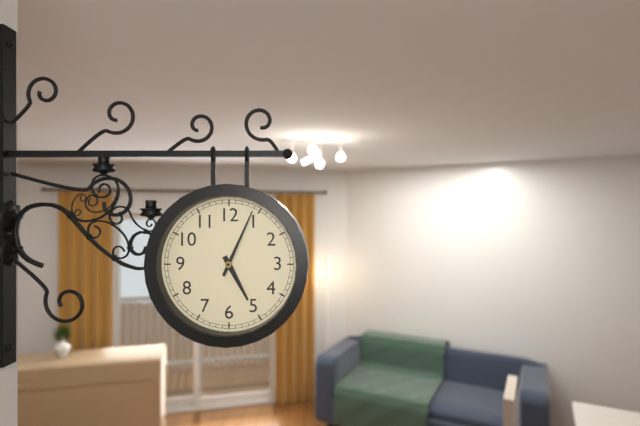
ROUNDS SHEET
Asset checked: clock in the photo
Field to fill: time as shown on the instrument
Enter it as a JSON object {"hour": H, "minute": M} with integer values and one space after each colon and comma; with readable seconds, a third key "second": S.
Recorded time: {"hour": 5, "minute": 4}
